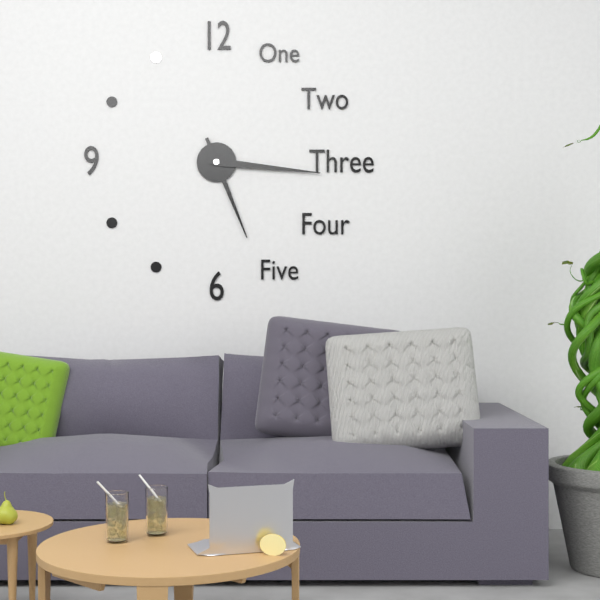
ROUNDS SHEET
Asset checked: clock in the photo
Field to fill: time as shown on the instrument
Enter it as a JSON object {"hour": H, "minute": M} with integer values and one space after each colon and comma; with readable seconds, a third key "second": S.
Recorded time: {"hour": 5, "minute": 16}
